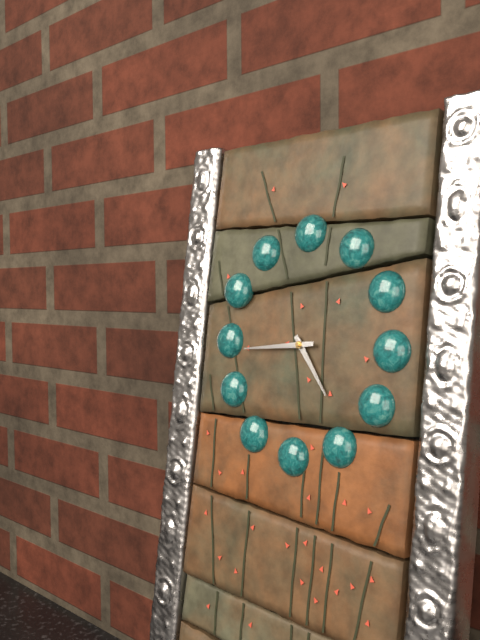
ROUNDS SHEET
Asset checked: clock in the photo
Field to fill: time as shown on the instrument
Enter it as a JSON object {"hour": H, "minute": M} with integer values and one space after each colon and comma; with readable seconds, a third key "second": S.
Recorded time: {"hour": 4, "minute": 44}
